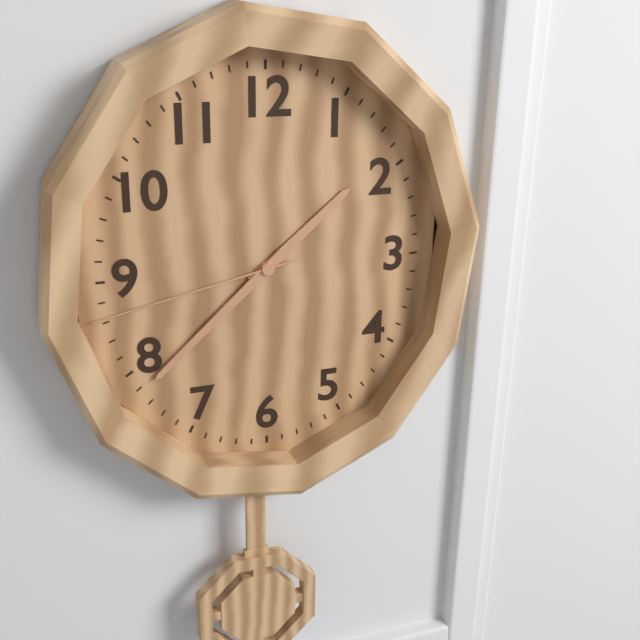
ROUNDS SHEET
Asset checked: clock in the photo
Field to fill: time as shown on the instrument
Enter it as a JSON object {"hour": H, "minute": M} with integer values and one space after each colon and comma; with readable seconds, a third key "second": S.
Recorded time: {"hour": 1, "minute": 38, "second": 43}
